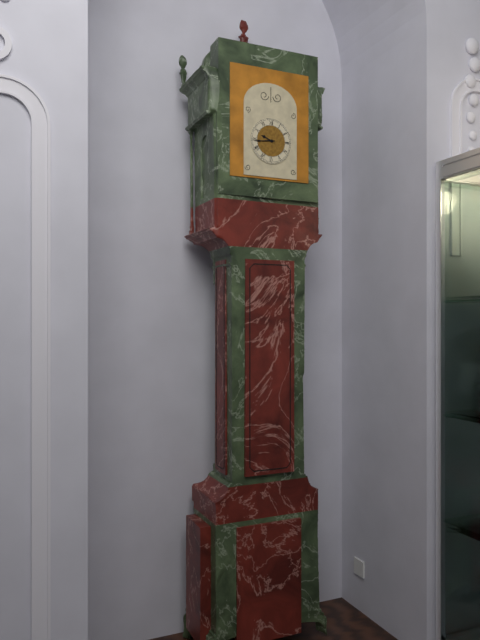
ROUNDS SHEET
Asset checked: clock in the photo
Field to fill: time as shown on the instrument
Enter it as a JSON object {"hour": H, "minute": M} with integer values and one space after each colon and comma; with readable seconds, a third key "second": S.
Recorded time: {"hour": 9, "minute": 44}
